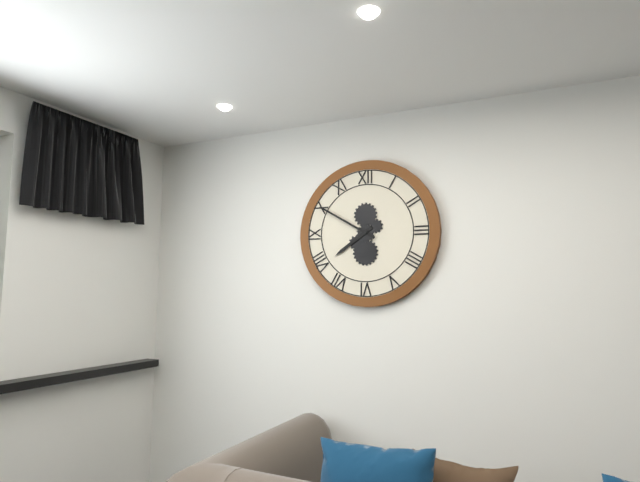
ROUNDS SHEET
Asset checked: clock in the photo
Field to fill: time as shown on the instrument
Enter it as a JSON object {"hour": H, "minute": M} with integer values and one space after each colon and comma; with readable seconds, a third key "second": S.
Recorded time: {"hour": 7, "minute": 50}
